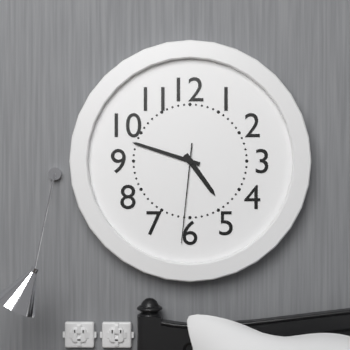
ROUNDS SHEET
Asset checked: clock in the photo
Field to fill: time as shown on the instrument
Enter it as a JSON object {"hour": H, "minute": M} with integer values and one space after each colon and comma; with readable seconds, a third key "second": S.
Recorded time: {"hour": 4, "minute": 48, "second": 31}
